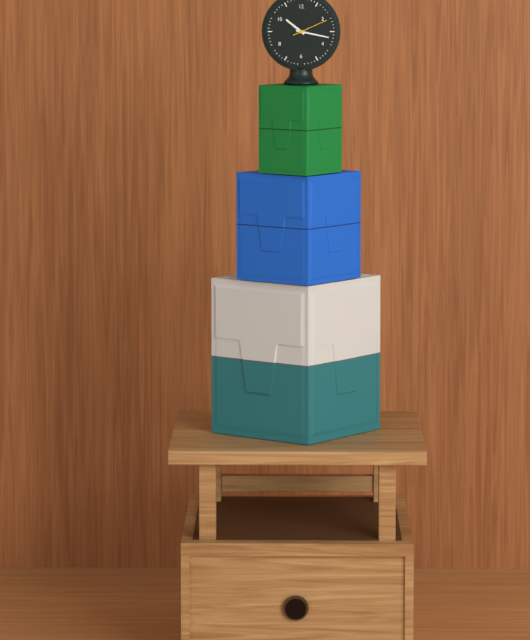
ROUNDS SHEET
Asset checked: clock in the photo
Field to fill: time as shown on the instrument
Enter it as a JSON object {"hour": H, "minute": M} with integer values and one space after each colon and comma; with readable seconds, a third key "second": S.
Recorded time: {"hour": 10, "minute": 17}
